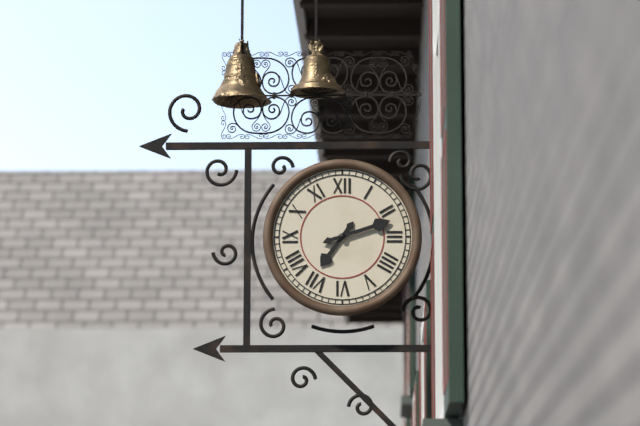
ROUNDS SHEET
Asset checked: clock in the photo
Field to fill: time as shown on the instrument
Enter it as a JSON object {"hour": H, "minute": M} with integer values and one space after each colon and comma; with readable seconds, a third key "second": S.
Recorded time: {"hour": 7, "minute": 12}
